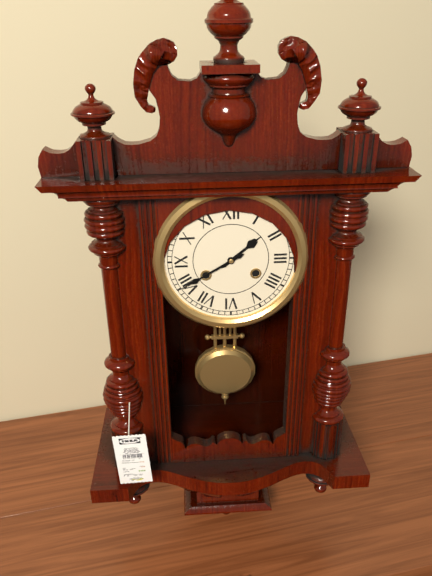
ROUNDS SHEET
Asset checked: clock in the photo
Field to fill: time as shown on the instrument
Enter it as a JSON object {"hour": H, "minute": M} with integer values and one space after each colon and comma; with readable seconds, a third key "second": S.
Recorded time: {"hour": 1, "minute": 40}
